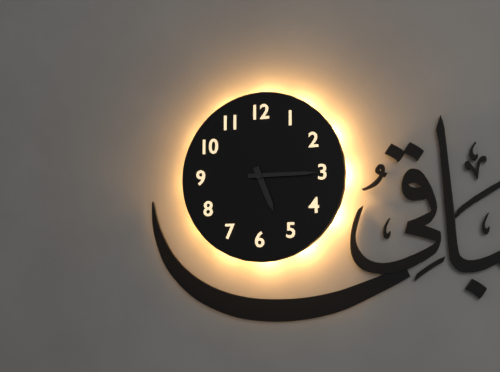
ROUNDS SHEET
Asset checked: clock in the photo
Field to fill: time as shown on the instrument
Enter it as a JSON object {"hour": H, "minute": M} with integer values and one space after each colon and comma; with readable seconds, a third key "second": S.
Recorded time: {"hour": 5, "minute": 15}
